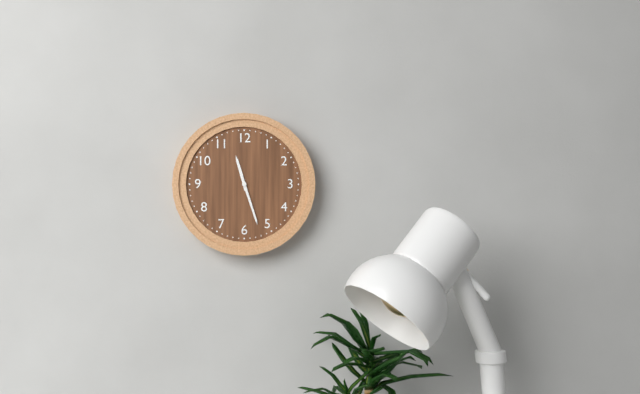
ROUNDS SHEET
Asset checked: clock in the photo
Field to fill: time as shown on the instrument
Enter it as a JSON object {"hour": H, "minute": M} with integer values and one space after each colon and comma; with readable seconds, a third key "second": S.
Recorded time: {"hour": 11, "minute": 27}
